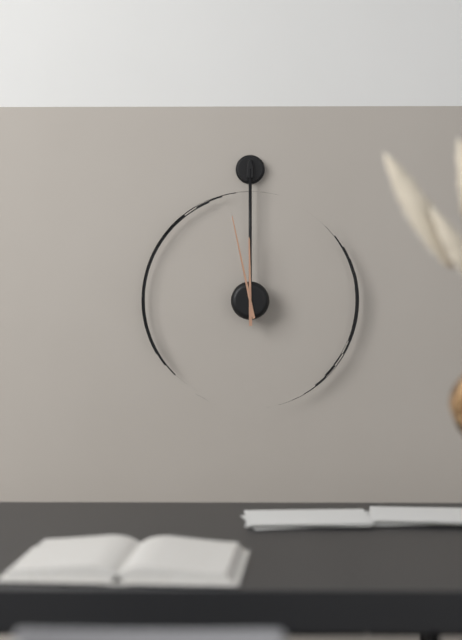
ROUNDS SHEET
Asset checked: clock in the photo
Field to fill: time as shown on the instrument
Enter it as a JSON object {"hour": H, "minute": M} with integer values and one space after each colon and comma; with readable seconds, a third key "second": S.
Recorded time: {"hour": 11, "minute": 58}
